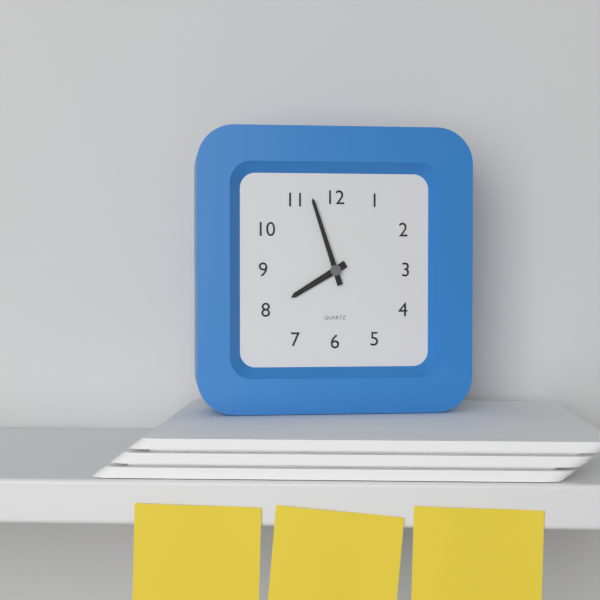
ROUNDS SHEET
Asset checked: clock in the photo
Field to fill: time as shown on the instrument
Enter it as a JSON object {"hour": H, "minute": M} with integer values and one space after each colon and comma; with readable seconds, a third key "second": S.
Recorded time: {"hour": 7, "minute": 57}
